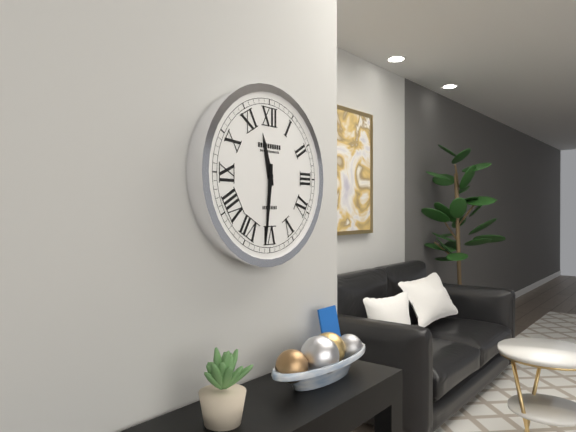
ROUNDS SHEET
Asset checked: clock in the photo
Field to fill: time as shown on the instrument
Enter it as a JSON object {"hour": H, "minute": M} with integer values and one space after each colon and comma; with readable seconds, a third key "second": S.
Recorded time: {"hour": 11, "minute": 31}
